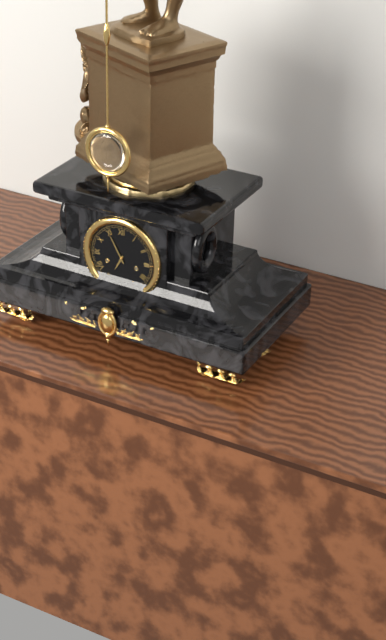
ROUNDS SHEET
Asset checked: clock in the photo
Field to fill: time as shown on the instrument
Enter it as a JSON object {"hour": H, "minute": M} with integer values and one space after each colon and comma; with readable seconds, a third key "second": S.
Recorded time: {"hour": 6, "minute": 55}
